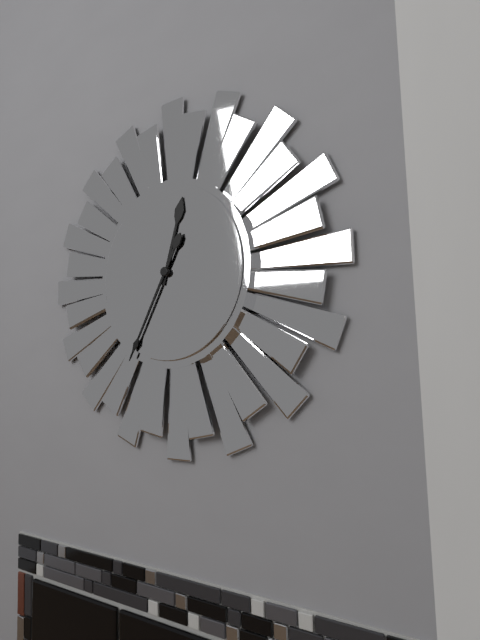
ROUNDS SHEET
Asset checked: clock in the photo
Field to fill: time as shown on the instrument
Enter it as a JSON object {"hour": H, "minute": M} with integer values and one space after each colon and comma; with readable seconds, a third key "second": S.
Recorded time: {"hour": 12, "minute": 35}
